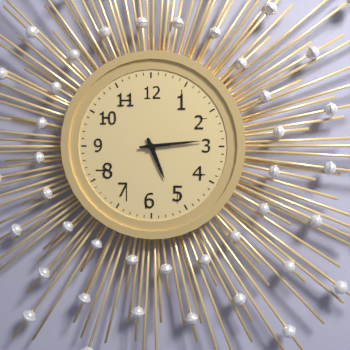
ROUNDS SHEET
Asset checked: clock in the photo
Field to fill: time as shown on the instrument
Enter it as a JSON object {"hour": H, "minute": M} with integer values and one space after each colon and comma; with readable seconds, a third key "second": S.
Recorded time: {"hour": 5, "minute": 14}
